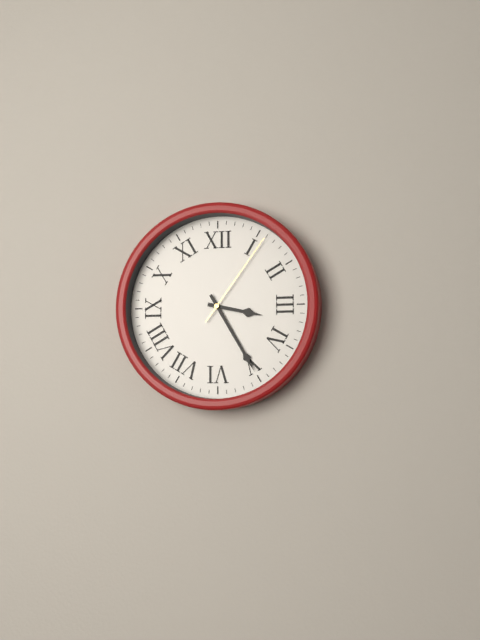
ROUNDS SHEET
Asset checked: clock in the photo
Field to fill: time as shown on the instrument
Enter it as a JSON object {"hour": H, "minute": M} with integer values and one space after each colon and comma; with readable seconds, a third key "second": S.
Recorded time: {"hour": 3, "minute": 25, "second": 6}
